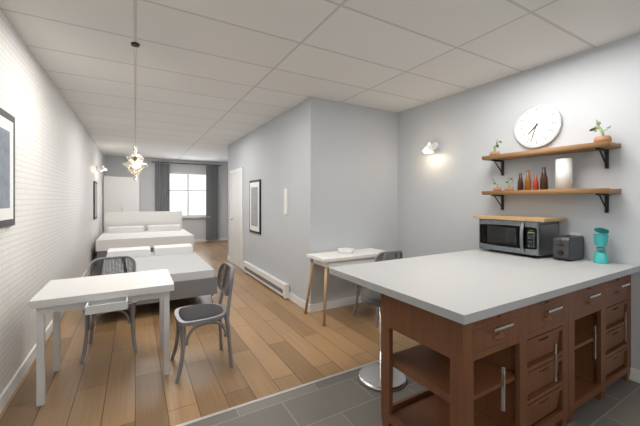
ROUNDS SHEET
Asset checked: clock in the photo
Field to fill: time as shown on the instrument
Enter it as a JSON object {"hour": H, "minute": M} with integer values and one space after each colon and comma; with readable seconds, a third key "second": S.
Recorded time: {"hour": 7, "minute": 33}
